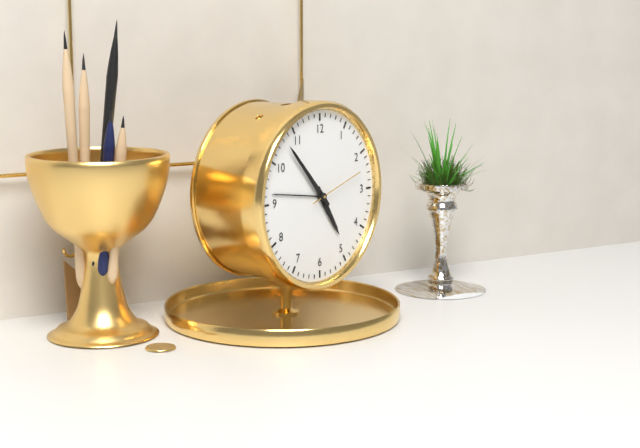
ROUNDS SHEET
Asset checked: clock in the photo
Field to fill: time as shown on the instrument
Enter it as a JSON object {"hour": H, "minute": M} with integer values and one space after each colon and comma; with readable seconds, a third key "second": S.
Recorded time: {"hour": 4, "minute": 53, "second": 12}
